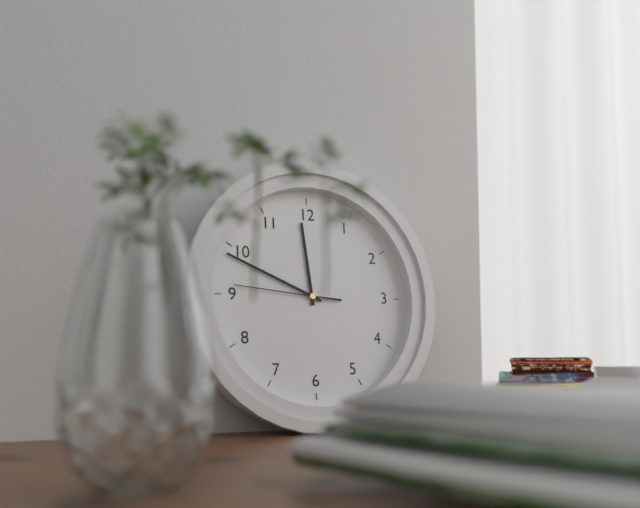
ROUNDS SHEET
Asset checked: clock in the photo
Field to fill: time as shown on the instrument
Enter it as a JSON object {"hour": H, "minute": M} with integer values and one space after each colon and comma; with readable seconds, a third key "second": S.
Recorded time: {"hour": 11, "minute": 49, "second": 46}
